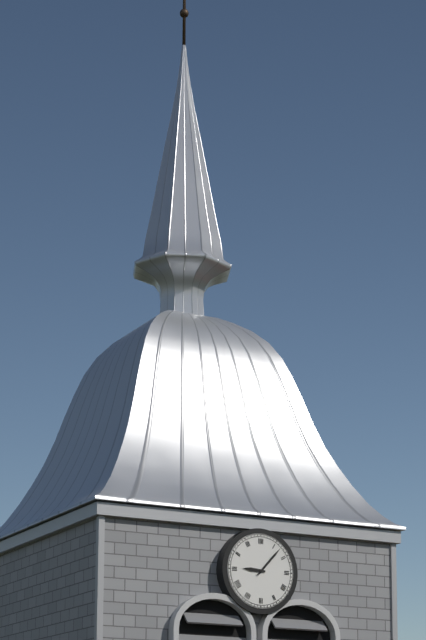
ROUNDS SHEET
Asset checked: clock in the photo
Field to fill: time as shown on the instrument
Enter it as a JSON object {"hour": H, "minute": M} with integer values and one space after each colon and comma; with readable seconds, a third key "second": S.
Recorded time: {"hour": 9, "minute": 7}
